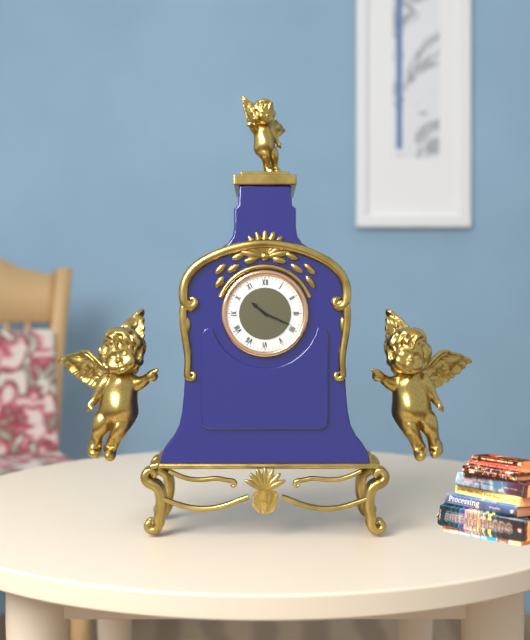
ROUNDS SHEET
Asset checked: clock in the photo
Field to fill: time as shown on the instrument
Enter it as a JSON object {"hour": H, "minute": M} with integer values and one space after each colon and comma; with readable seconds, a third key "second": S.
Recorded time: {"hour": 10, "minute": 19}
